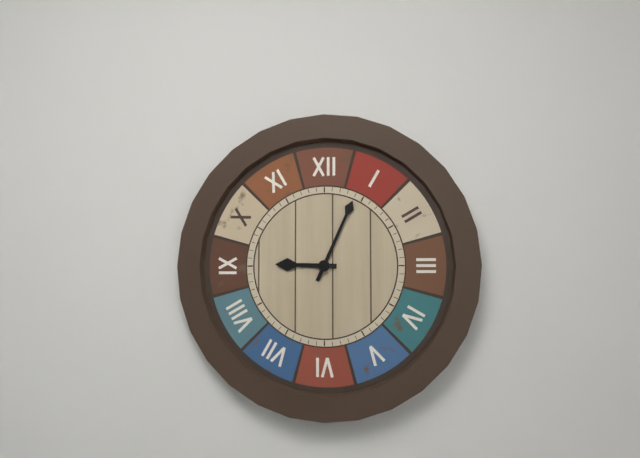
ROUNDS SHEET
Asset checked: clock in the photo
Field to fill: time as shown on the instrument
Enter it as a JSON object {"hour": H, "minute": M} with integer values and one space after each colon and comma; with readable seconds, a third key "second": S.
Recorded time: {"hour": 9, "minute": 4}
